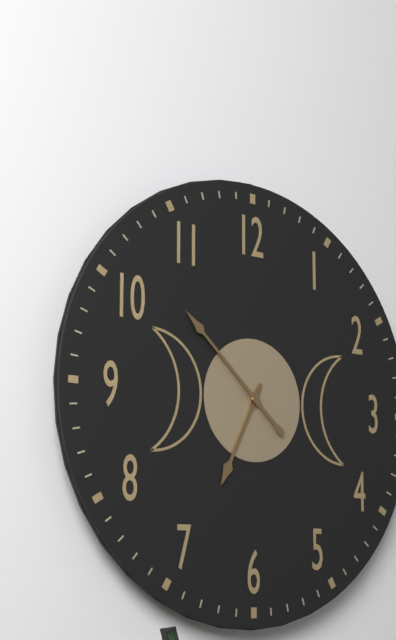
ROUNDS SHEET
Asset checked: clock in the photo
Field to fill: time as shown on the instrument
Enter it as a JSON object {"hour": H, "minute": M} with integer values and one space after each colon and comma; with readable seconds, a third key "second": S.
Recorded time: {"hour": 6, "minute": 52}
